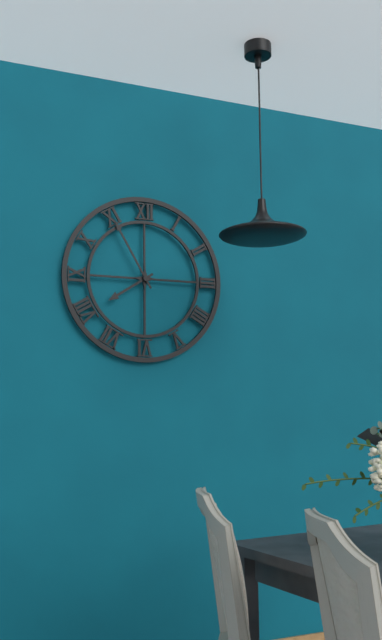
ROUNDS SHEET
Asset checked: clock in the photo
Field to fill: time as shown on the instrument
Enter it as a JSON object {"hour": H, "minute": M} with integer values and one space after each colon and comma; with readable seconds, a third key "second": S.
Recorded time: {"hour": 7, "minute": 55}
